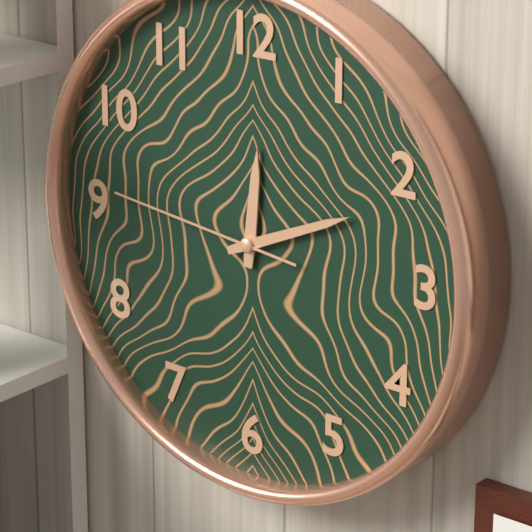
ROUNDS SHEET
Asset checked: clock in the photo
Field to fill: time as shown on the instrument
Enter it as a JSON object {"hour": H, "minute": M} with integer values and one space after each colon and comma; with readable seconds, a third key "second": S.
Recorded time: {"hour": 12, "minute": 11, "second": 46}
